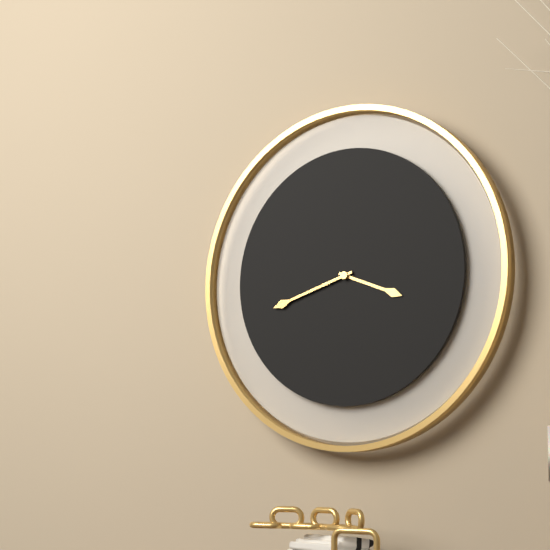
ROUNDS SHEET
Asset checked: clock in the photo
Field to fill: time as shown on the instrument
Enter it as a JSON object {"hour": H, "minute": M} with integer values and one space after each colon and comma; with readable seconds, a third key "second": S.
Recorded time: {"hour": 3, "minute": 42}
